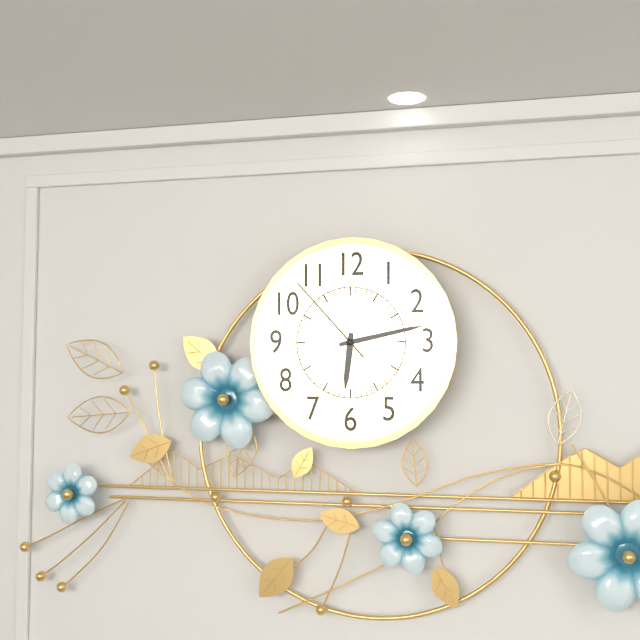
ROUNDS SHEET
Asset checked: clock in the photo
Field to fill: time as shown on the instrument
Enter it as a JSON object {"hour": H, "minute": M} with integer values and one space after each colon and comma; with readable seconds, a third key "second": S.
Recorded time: {"hour": 6, "minute": 13, "second": 53}
